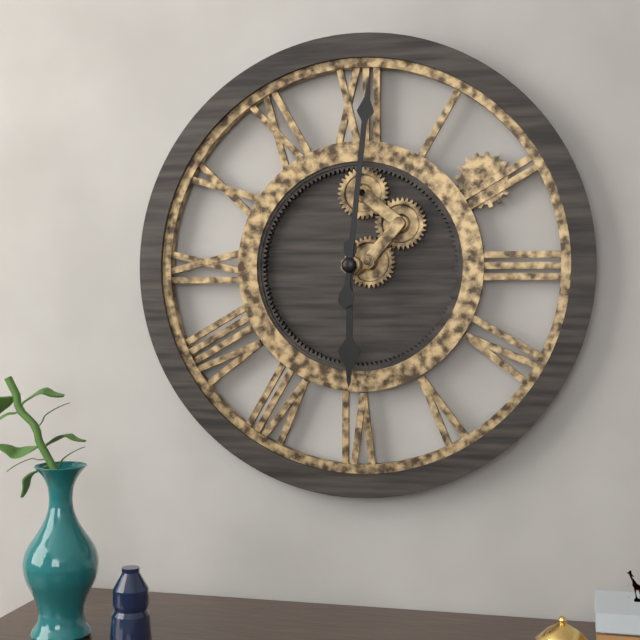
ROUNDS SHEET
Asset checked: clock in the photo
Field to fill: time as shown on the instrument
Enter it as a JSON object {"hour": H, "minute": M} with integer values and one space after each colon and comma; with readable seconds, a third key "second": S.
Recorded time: {"hour": 6, "minute": 1}
